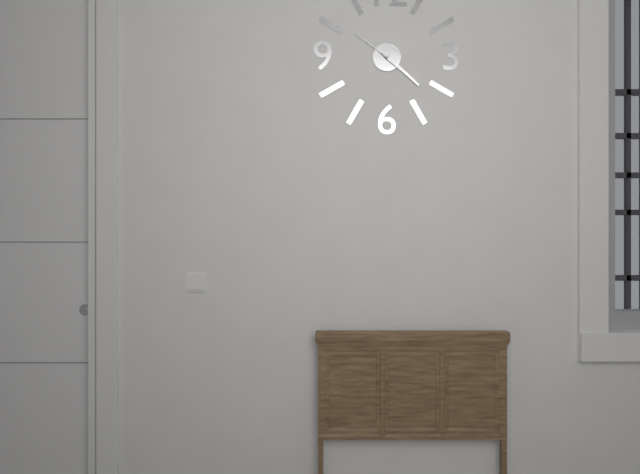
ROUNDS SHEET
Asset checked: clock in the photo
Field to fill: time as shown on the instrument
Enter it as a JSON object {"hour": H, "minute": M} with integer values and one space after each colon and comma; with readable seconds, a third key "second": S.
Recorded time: {"hour": 4, "minute": 22}
